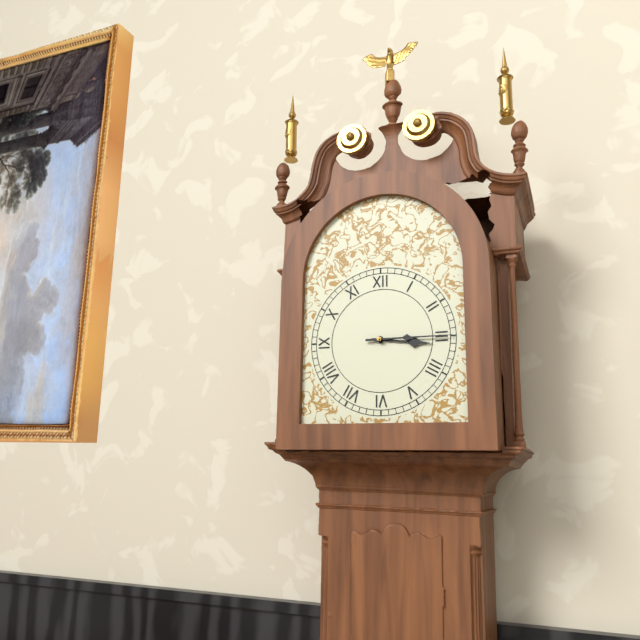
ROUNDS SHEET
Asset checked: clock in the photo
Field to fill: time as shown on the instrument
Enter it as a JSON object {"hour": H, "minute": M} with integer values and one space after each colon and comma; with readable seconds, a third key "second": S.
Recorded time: {"hour": 3, "minute": 15}
